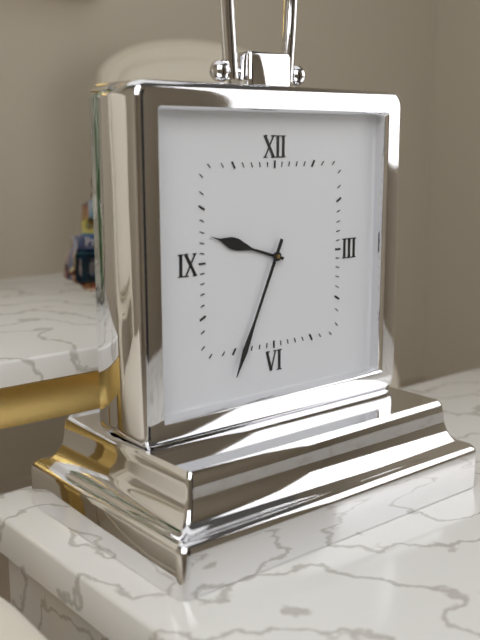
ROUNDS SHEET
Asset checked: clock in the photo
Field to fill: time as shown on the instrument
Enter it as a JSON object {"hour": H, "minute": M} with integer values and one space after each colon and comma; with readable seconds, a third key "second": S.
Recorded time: {"hour": 9, "minute": 34}
